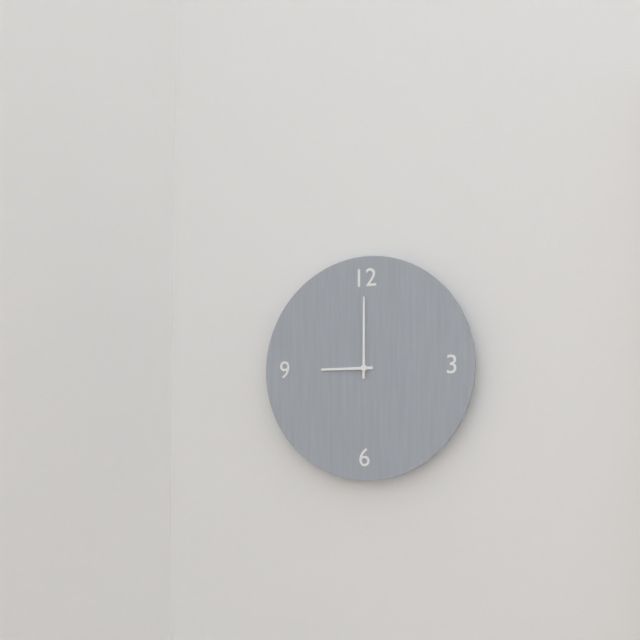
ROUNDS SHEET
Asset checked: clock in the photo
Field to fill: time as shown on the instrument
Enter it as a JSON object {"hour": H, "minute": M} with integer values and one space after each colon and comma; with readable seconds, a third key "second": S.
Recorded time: {"hour": 9, "minute": 0}
